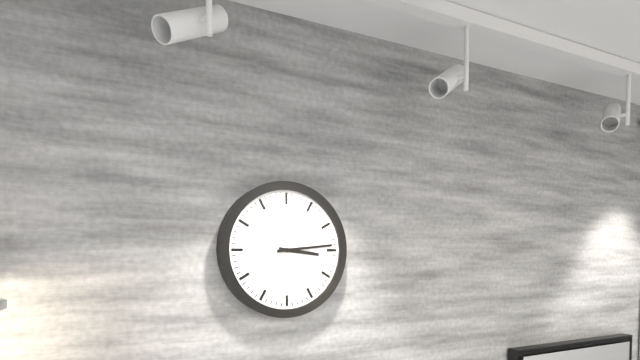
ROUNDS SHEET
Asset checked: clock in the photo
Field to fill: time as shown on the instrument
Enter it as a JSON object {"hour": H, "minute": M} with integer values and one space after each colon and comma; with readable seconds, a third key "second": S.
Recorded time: {"hour": 3, "minute": 14}
